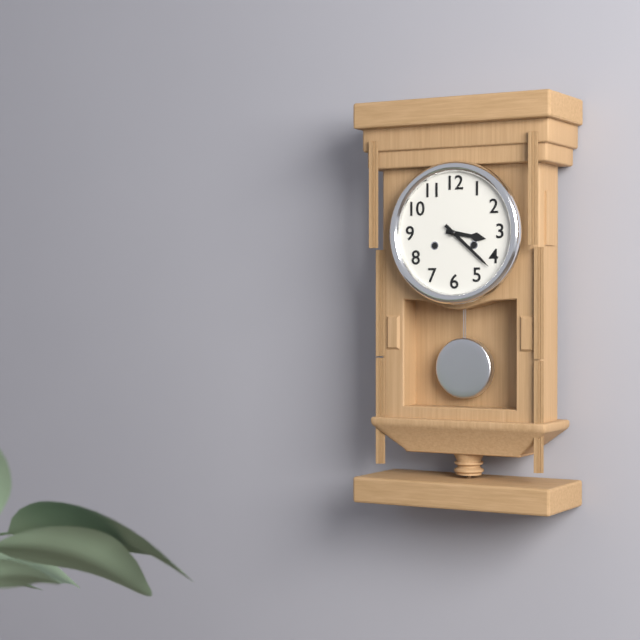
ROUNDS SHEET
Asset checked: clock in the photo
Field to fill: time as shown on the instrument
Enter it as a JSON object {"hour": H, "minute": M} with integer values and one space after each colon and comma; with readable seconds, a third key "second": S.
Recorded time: {"hour": 3, "minute": 22}
